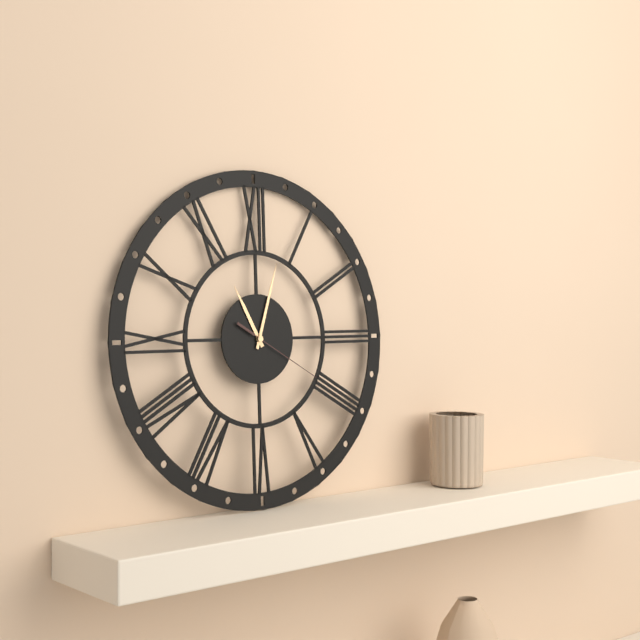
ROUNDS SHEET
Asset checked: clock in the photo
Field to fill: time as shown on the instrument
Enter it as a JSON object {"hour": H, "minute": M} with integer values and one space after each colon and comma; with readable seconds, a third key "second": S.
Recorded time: {"hour": 11, "minute": 3, "second": 20}
